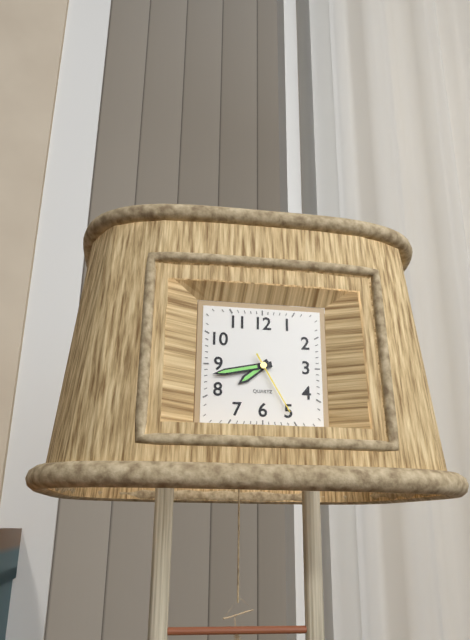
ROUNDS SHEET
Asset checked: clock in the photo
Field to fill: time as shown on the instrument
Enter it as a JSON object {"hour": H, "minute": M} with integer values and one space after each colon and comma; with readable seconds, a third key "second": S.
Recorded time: {"hour": 7, "minute": 43, "second": 25}
